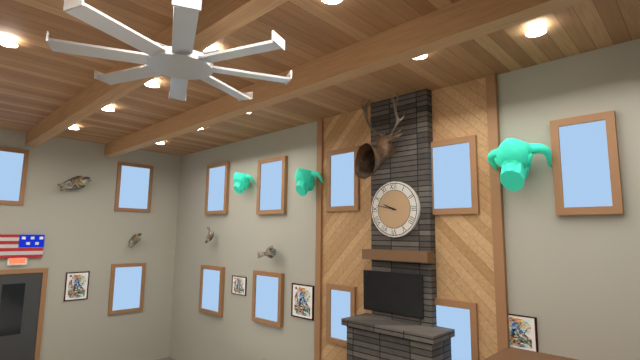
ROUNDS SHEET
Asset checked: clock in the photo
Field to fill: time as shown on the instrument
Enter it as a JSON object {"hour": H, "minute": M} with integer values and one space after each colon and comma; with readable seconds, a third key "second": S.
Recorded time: {"hour": 9, "minute": 47}
